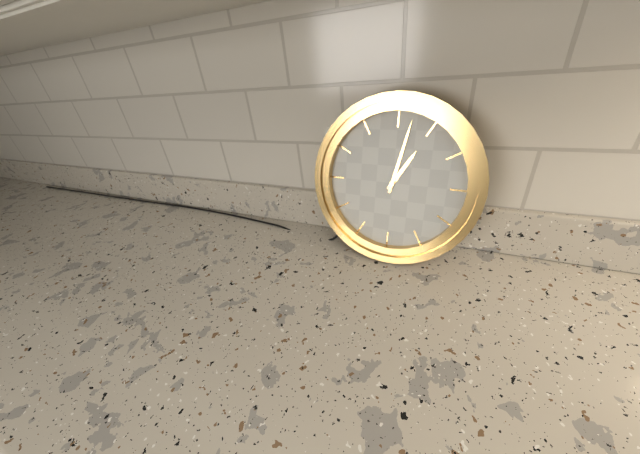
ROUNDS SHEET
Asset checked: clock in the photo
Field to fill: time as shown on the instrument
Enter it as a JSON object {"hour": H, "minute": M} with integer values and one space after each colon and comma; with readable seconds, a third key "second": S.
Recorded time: {"hour": 1, "minute": 2}
